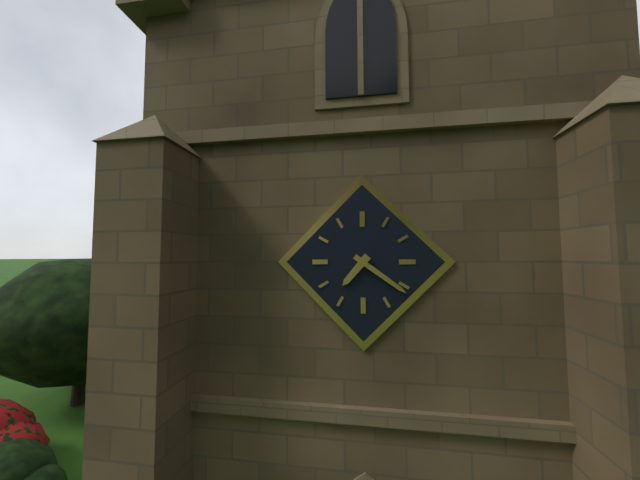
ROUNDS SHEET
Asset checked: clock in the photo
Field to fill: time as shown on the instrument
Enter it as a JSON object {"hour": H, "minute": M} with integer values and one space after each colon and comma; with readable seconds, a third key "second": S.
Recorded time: {"hour": 7, "minute": 21}
